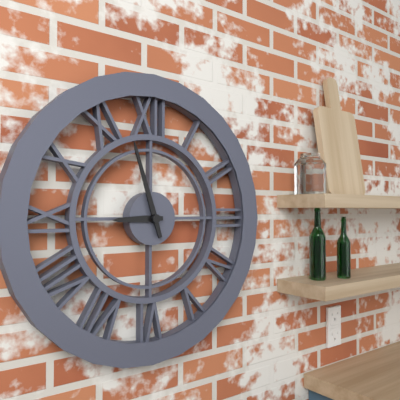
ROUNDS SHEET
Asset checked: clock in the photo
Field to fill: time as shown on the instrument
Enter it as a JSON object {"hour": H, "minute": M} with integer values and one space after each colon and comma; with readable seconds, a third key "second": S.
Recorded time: {"hour": 8, "minute": 57}
